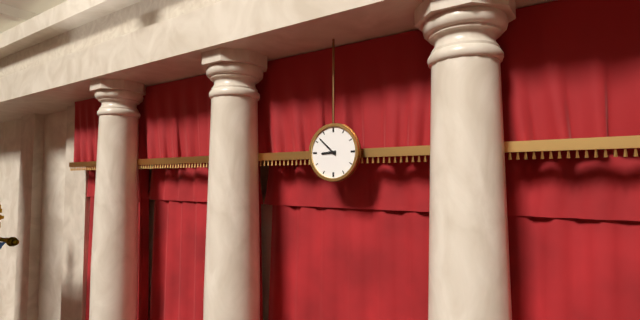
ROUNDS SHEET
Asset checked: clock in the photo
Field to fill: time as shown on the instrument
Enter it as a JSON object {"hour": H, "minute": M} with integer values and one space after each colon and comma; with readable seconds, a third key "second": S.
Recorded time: {"hour": 8, "minute": 52}
